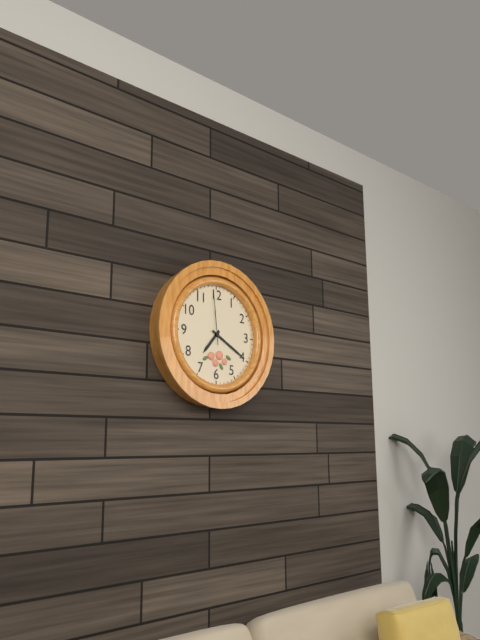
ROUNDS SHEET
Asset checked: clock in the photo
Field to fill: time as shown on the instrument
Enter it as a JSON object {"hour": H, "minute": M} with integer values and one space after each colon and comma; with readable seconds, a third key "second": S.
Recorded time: {"hour": 7, "minute": 20, "second": 59}
